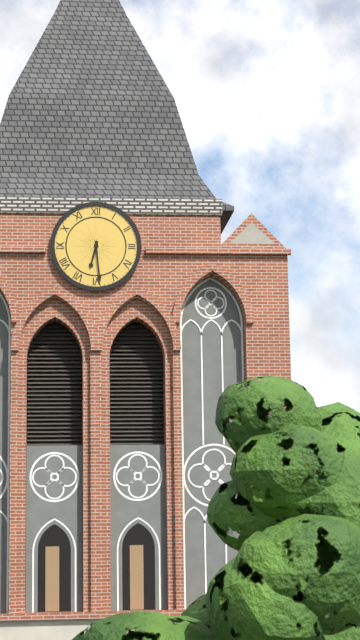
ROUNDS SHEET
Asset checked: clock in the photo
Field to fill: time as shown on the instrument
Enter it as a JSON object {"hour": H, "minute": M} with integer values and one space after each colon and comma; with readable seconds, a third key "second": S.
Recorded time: {"hour": 6, "minute": 29}
